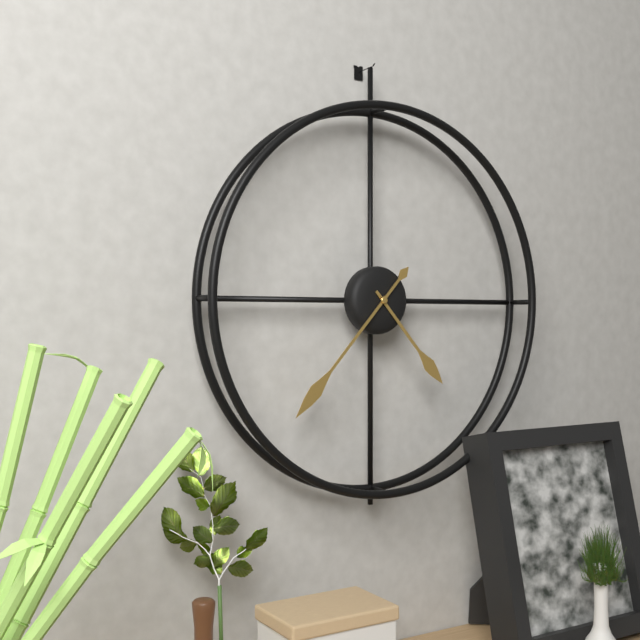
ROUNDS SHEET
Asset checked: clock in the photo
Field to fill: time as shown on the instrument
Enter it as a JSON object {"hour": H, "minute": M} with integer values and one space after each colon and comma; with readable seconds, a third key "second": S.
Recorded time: {"hour": 4, "minute": 37}
